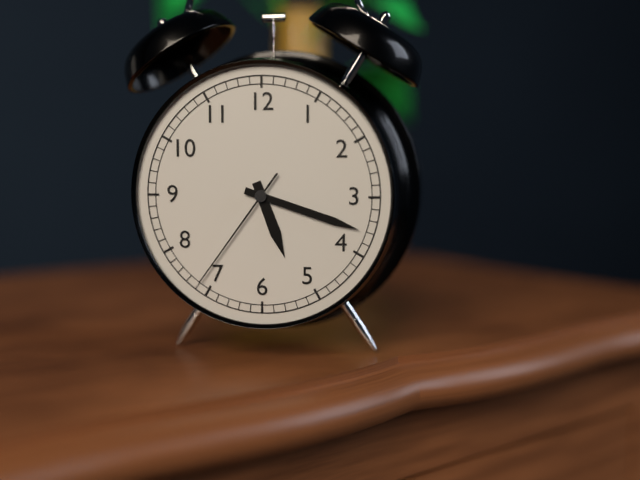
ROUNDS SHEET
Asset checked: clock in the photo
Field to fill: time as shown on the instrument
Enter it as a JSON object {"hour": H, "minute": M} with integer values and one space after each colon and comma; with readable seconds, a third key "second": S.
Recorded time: {"hour": 5, "minute": 18, "second": 36}
